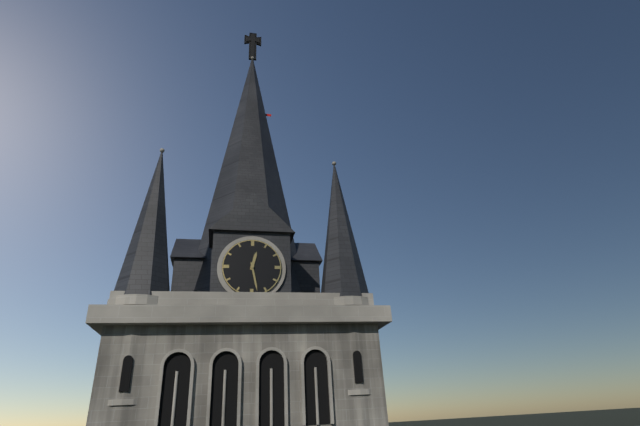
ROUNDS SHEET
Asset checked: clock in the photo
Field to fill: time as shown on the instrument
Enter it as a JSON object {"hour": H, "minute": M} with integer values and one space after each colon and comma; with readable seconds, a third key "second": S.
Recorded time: {"hour": 12, "minute": 28}
